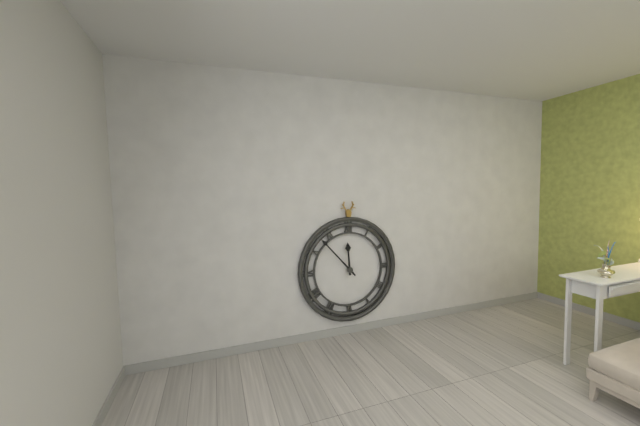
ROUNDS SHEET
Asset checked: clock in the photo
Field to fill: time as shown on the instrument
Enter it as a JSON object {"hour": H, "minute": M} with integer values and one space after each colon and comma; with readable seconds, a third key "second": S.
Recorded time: {"hour": 11, "minute": 53}
